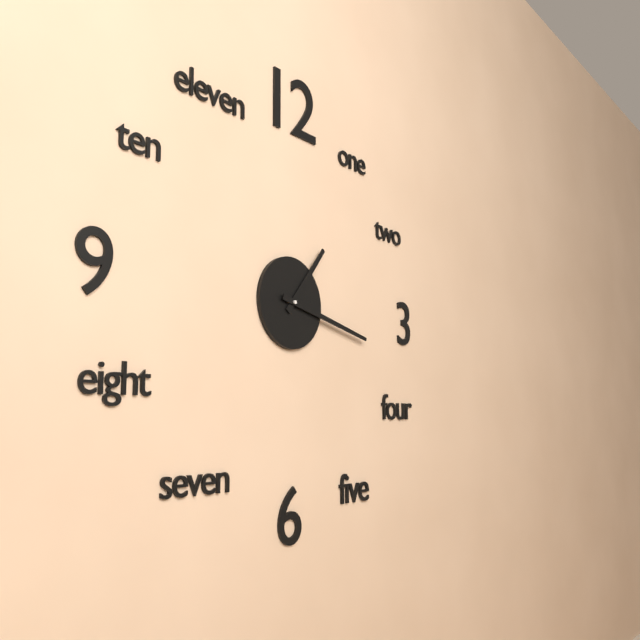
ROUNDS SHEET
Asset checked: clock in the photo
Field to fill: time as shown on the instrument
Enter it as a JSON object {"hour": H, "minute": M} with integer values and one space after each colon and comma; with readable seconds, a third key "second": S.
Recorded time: {"hour": 1, "minute": 17}
